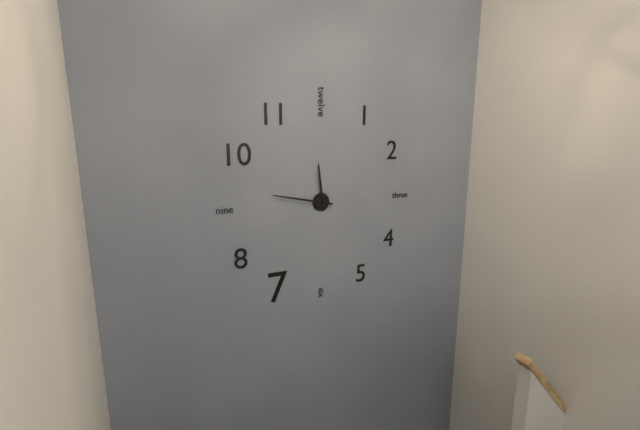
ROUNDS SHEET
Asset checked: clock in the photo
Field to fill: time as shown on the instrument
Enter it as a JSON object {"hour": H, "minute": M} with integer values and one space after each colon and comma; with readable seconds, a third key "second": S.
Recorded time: {"hour": 11, "minute": 47}
